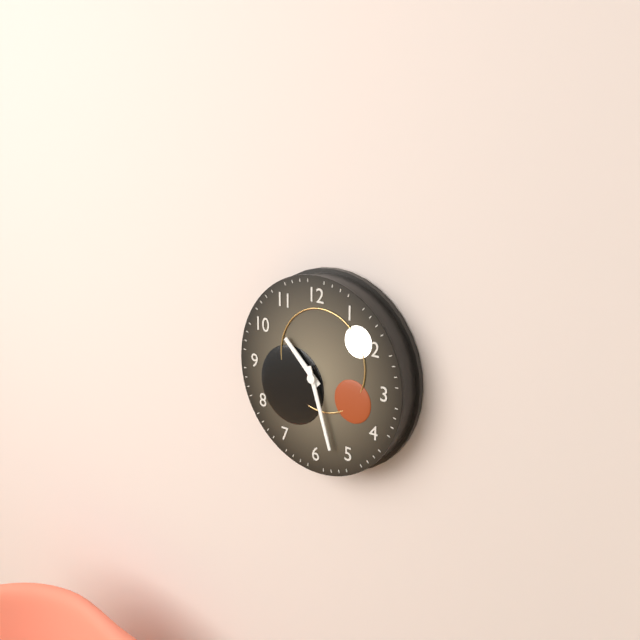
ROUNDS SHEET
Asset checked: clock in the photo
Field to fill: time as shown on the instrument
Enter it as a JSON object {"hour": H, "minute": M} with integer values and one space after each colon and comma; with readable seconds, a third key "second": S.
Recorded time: {"hour": 10, "minute": 27}
